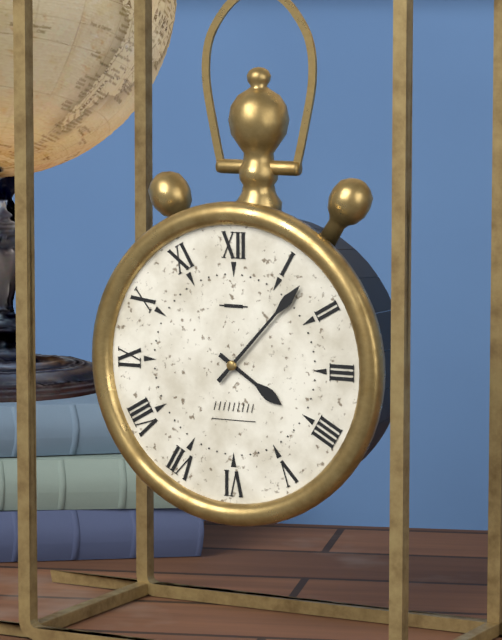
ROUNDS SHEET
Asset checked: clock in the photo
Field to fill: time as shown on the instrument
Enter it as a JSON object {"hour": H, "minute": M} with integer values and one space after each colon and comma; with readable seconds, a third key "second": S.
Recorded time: {"hour": 4, "minute": 7}
